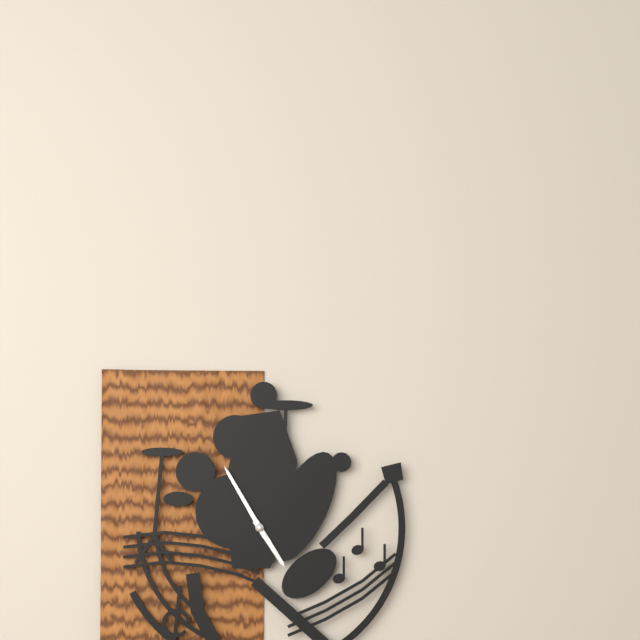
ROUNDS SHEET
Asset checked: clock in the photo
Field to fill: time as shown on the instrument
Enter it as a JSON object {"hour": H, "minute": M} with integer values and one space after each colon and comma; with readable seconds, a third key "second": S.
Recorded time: {"hour": 4, "minute": 55}
